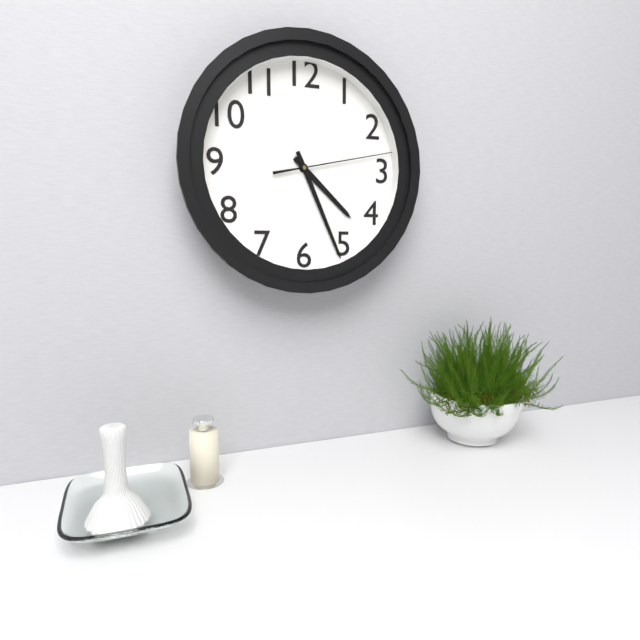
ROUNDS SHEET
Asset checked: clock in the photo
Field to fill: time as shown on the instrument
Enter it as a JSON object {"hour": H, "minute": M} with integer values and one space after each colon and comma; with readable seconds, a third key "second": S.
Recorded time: {"hour": 4, "minute": 26, "second": 13}
